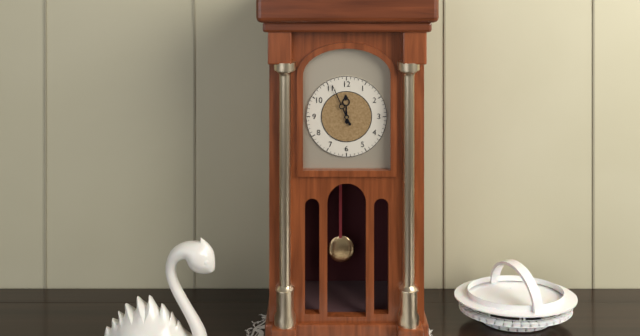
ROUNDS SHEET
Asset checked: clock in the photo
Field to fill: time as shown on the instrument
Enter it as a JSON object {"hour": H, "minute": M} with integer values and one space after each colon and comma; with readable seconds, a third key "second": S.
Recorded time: {"hour": 11, "minute": 56}
